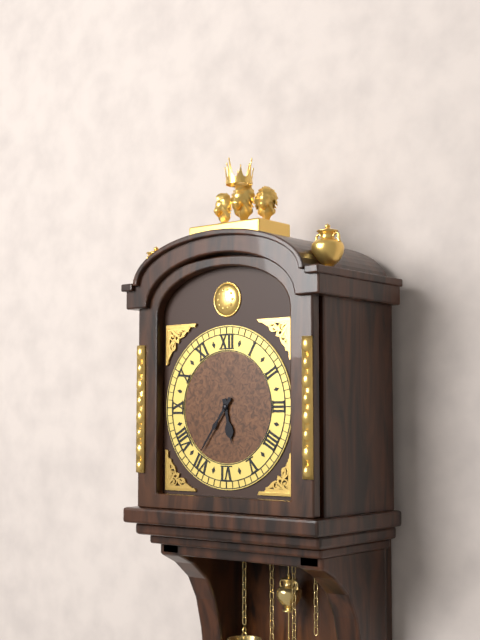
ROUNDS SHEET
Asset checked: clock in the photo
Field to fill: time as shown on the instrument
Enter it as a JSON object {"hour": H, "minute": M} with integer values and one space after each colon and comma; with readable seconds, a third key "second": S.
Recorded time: {"hour": 5, "minute": 36}
